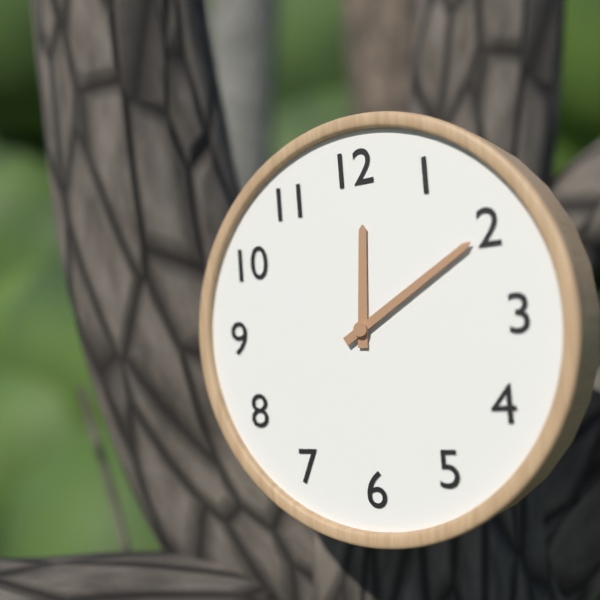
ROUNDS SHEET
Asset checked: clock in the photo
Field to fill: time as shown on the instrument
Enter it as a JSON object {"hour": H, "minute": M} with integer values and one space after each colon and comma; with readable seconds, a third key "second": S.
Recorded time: {"hour": 12, "minute": 10}
